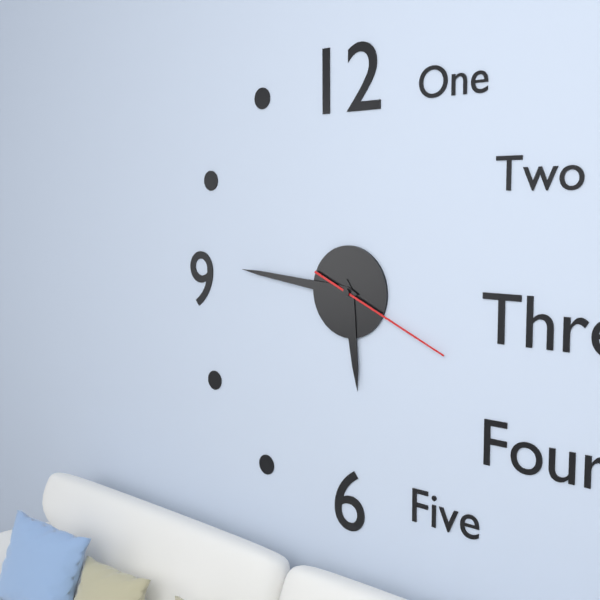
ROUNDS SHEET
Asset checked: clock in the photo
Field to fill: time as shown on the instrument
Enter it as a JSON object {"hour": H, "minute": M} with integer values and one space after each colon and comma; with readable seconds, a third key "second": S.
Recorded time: {"hour": 5, "minute": 46, "second": 19}
